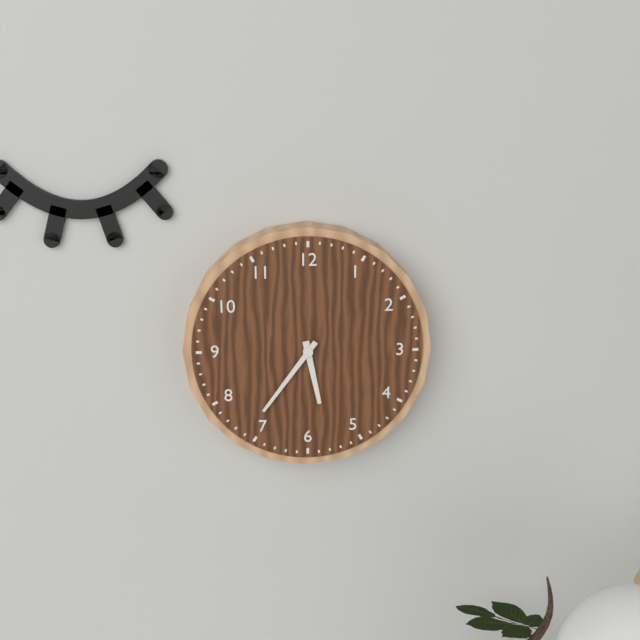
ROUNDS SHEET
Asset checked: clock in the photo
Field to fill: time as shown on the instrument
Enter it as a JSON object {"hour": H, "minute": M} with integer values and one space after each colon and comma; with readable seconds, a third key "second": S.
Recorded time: {"hour": 5, "minute": 36}
